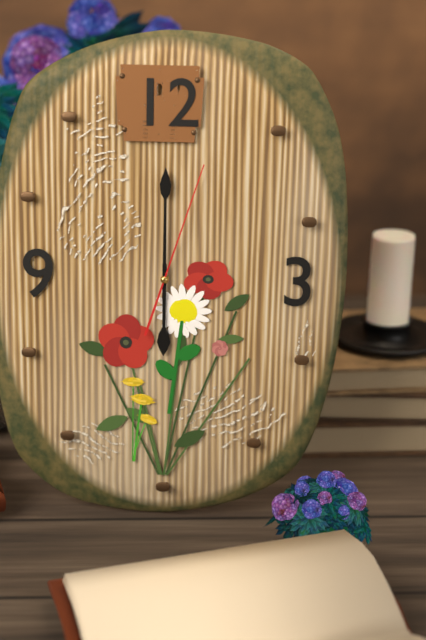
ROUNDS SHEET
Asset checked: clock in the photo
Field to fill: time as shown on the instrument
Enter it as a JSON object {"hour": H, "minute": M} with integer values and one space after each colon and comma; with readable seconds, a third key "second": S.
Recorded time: {"hour": 6, "minute": 0, "second": 3}
